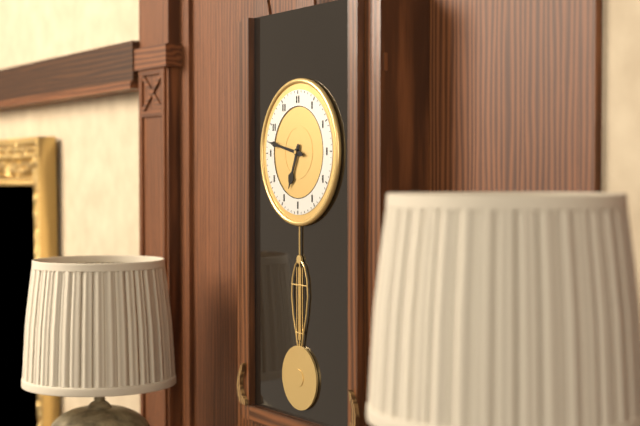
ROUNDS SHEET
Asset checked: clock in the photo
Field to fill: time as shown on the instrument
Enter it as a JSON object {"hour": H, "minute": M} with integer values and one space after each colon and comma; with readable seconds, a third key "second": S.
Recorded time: {"hour": 6, "minute": 47}
